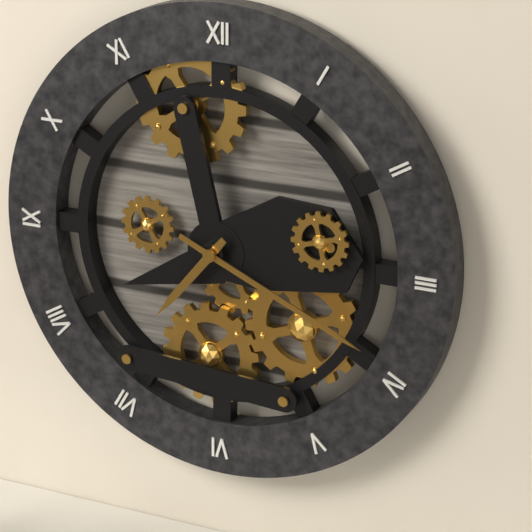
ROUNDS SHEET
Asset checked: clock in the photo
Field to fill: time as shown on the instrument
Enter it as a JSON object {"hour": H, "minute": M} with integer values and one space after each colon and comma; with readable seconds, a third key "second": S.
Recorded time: {"hour": 7, "minute": 19}
